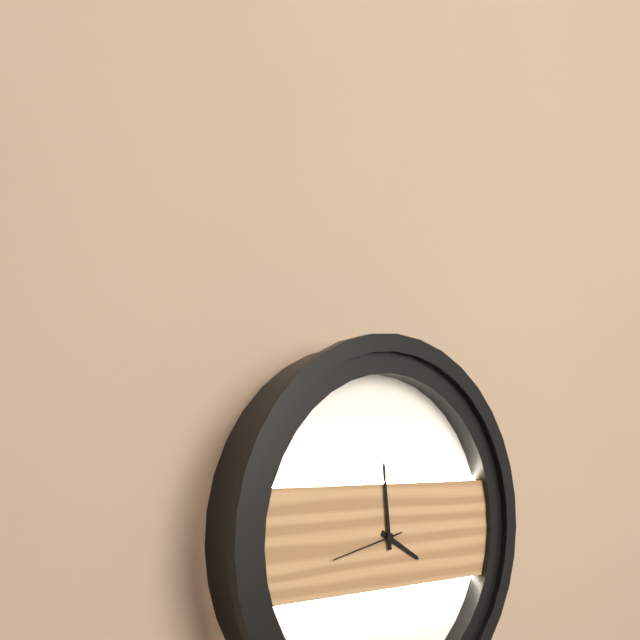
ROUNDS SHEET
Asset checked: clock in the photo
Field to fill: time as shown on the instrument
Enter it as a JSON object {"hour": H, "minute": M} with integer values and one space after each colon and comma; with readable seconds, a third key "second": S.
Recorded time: {"hour": 3, "minute": 59, "second": 43}
